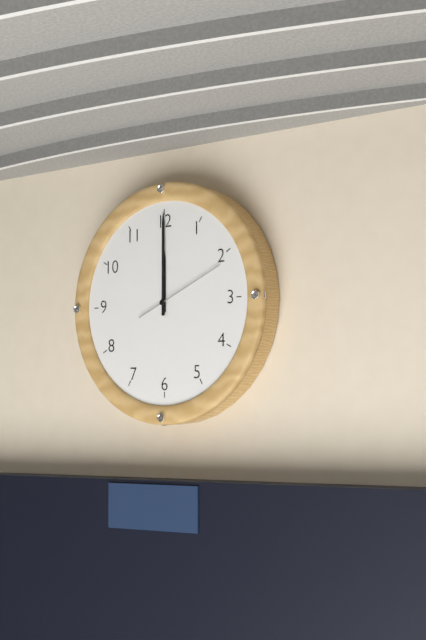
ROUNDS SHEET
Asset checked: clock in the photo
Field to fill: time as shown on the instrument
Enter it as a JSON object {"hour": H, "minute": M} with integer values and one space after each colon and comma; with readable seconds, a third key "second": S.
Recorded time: {"hour": 12, "minute": 0, "second": 11}
